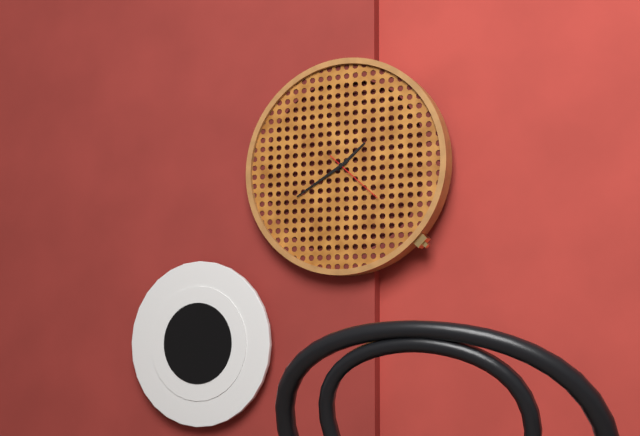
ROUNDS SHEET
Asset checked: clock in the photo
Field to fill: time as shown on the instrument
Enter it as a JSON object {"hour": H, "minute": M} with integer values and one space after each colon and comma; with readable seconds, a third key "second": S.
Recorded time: {"hour": 1, "minute": 40, "second": 22}
